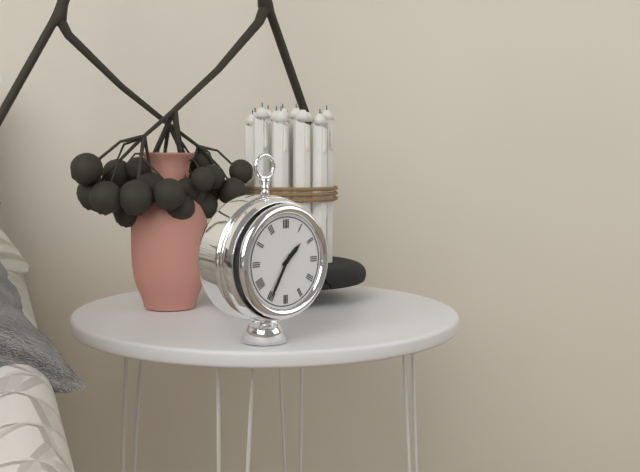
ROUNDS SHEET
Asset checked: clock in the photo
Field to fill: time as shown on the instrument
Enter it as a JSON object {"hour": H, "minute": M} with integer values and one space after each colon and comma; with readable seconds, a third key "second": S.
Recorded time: {"hour": 1, "minute": 35}
